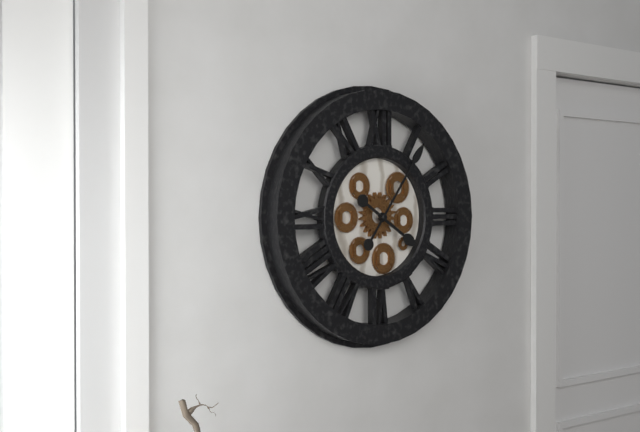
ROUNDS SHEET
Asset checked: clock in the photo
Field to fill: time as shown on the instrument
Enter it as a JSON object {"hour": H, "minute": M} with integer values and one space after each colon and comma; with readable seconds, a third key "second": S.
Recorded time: {"hour": 4, "minute": 6}
